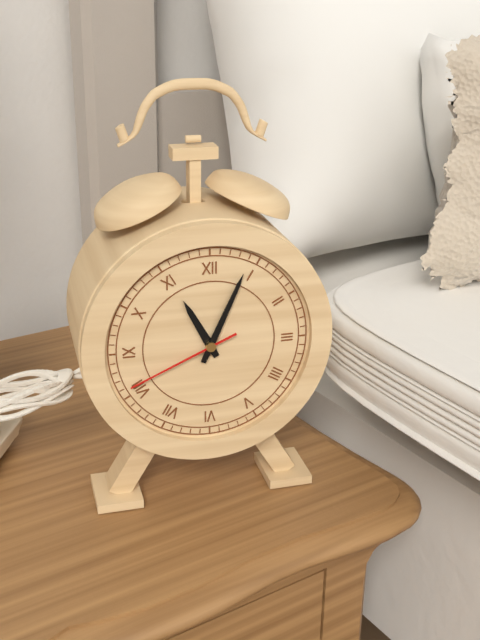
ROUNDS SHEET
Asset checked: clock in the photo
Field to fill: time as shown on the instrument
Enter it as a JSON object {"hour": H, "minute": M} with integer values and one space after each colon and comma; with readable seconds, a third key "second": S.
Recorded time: {"hour": 11, "minute": 4, "second": 41}
